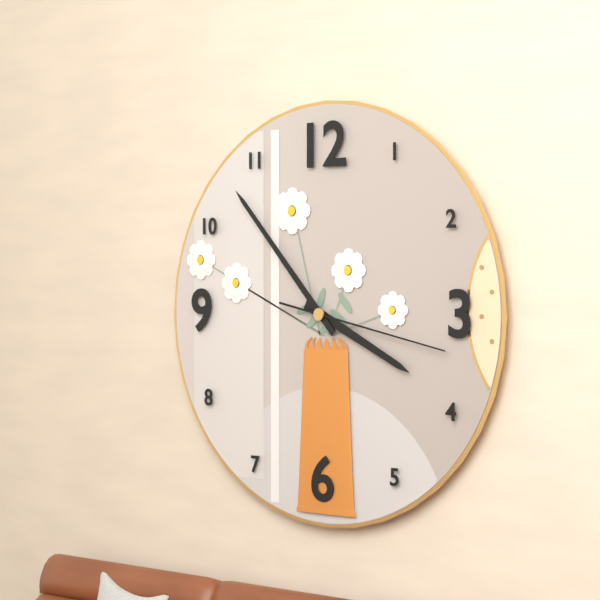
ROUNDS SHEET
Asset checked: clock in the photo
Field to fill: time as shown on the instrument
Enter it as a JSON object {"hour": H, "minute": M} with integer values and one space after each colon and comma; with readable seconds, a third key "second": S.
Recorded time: {"hour": 3, "minute": 53, "second": 17}
